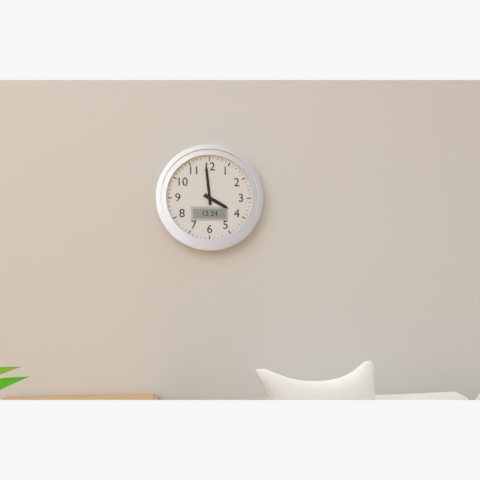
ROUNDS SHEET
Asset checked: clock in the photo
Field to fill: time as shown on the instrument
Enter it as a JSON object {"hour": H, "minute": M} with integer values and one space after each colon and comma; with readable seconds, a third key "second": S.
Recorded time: {"hour": 3, "minute": 59}
